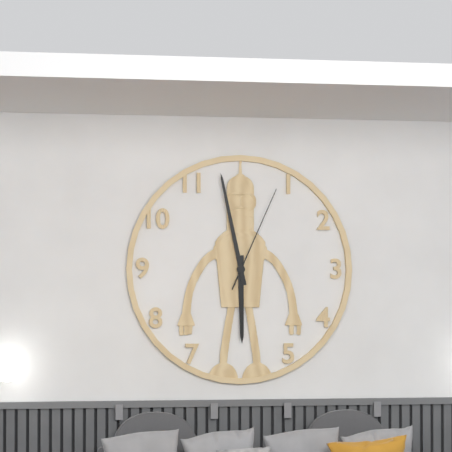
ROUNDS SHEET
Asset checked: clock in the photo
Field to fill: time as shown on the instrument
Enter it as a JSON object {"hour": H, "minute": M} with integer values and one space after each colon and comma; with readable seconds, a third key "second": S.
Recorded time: {"hour": 5, "minute": 58, "second": 4}
